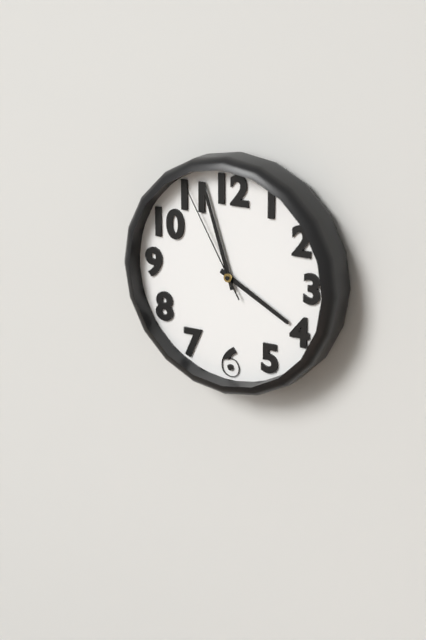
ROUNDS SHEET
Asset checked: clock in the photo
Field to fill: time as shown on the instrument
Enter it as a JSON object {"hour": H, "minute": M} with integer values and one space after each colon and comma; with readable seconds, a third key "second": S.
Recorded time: {"hour": 3, "minute": 57, "second": 55}
